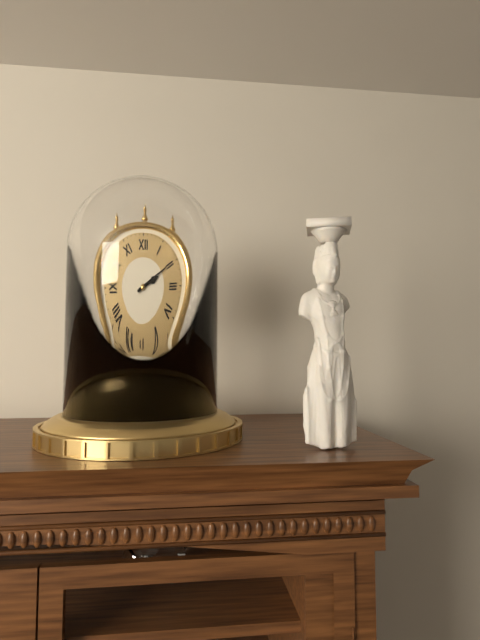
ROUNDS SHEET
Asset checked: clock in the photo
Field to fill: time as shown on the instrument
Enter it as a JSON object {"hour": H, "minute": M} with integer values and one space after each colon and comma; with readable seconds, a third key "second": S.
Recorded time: {"hour": 2, "minute": 10}
